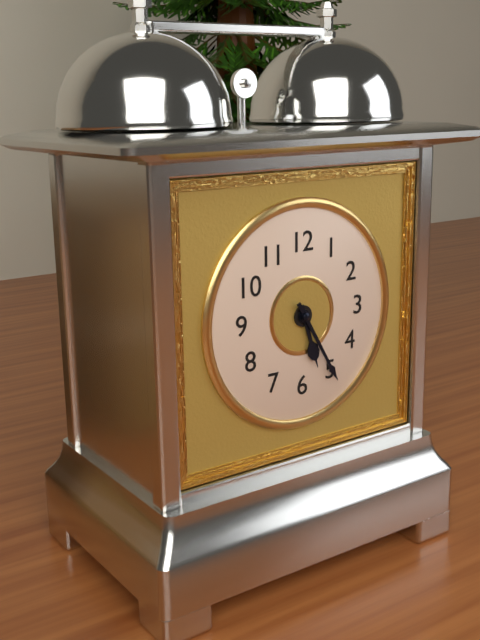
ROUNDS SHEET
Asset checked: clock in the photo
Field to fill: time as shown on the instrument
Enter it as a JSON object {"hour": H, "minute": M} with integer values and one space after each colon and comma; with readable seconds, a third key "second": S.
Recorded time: {"hour": 5, "minute": 25}
